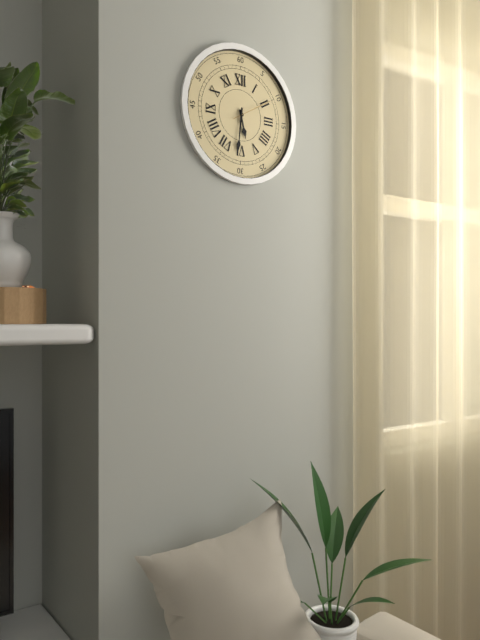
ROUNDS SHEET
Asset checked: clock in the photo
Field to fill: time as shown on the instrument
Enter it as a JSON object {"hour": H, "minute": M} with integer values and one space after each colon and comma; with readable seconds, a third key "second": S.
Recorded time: {"hour": 5, "minute": 31}
